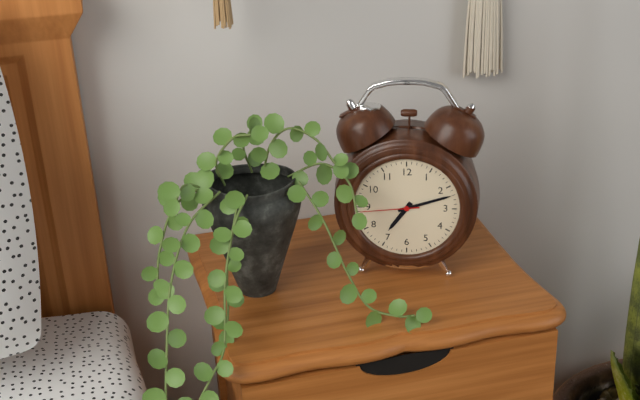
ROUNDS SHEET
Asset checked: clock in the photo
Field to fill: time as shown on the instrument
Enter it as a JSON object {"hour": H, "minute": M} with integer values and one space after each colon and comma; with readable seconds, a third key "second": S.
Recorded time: {"hour": 7, "minute": 12, "second": 44}
